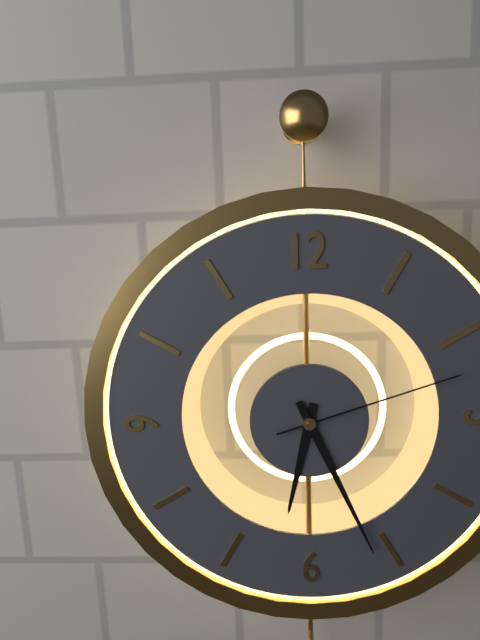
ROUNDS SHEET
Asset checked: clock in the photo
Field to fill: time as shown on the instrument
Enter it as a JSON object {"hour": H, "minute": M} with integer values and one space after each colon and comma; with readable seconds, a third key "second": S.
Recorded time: {"hour": 6, "minute": 26, "second": 12}
